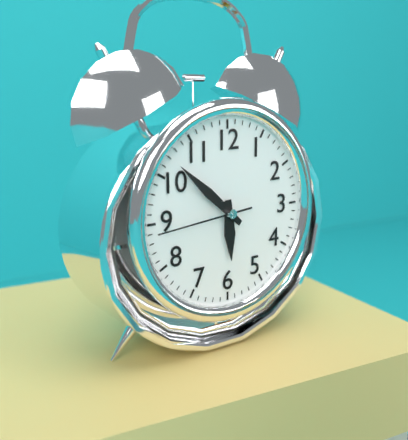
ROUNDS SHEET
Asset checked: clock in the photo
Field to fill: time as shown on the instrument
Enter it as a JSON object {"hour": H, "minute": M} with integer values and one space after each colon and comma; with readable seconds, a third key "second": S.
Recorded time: {"hour": 5, "minute": 52, "second": 44}
